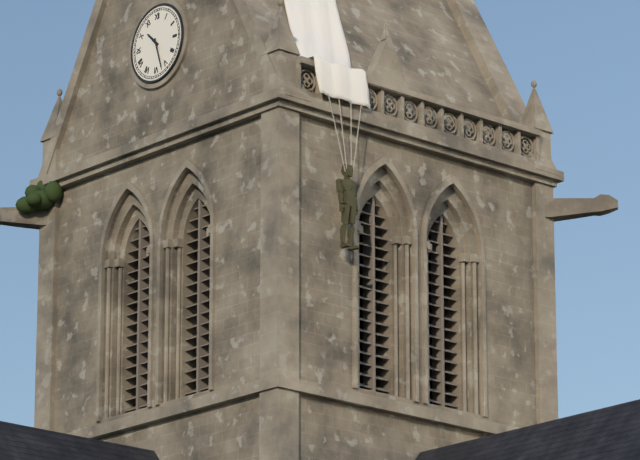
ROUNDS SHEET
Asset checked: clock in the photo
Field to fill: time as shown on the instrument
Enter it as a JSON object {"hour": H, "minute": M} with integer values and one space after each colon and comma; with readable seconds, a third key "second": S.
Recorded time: {"hour": 10, "minute": 27}
